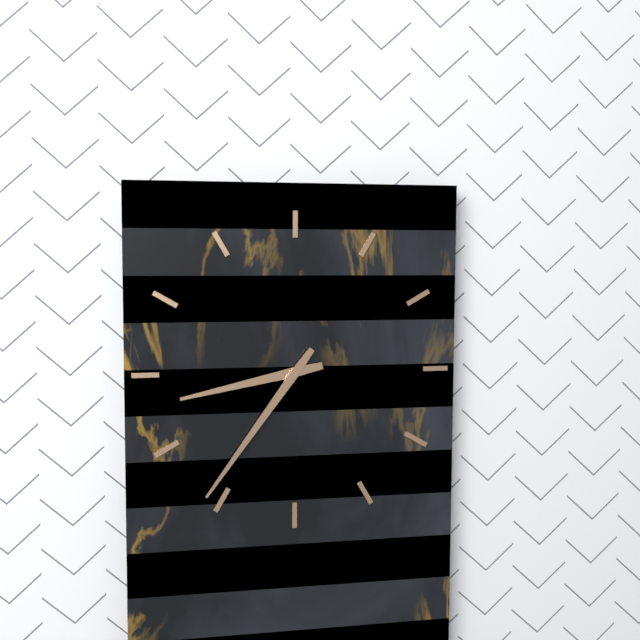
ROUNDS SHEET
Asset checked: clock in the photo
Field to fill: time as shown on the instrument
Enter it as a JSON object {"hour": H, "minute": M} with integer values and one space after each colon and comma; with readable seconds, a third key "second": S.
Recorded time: {"hour": 8, "minute": 36}
